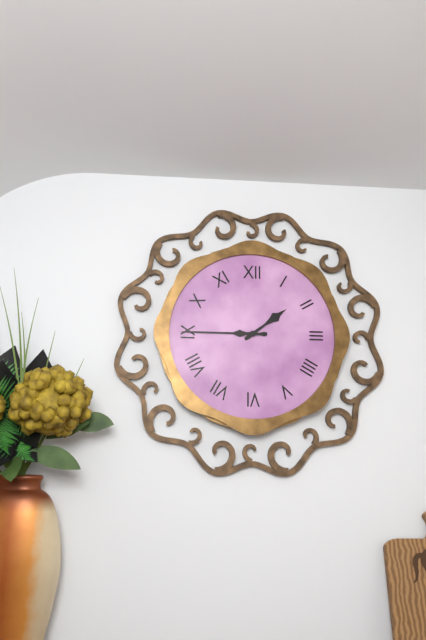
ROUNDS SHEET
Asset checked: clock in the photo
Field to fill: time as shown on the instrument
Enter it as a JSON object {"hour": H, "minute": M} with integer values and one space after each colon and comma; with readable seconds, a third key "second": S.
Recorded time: {"hour": 1, "minute": 45}
